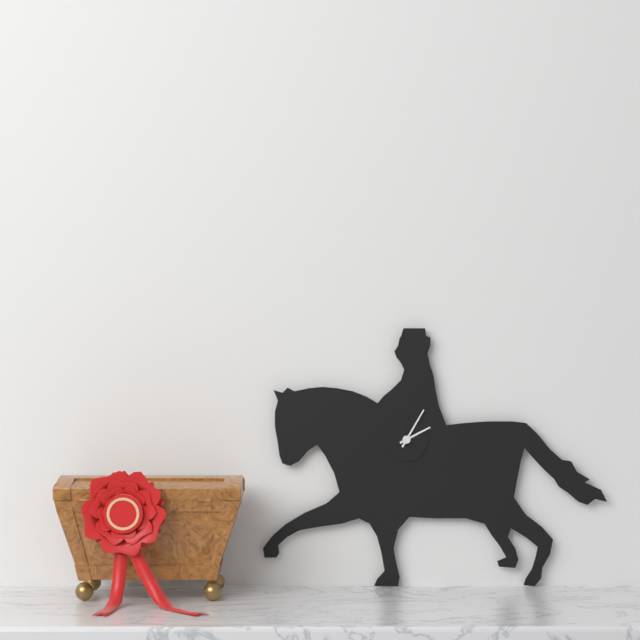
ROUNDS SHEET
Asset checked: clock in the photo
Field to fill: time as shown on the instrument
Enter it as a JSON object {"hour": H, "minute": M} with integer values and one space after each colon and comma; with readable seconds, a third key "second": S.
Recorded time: {"hour": 2, "minute": 5}
